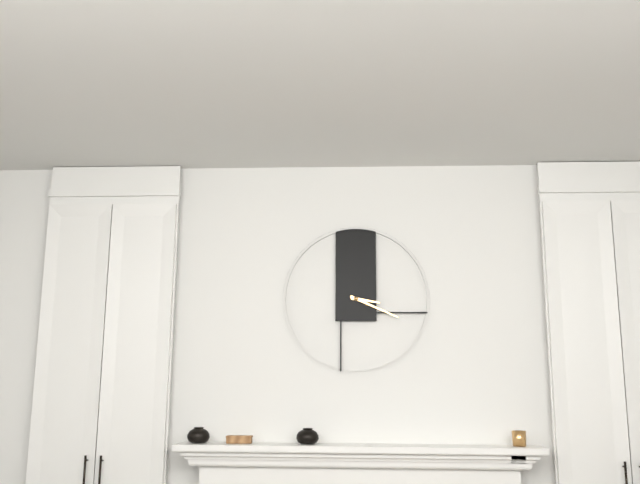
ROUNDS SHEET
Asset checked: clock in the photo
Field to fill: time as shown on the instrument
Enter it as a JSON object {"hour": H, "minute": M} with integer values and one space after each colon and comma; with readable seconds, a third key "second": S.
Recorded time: {"hour": 3, "minute": 19}
